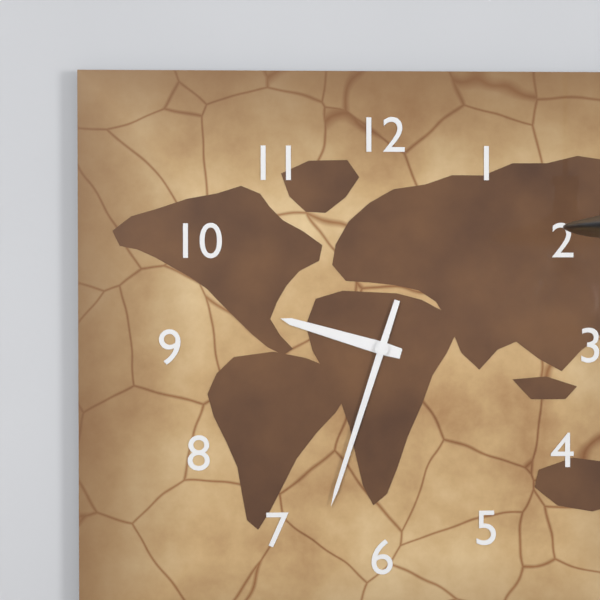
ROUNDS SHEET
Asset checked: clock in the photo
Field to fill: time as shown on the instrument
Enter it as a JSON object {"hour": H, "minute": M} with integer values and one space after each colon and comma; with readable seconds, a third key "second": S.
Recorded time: {"hour": 9, "minute": 33}
